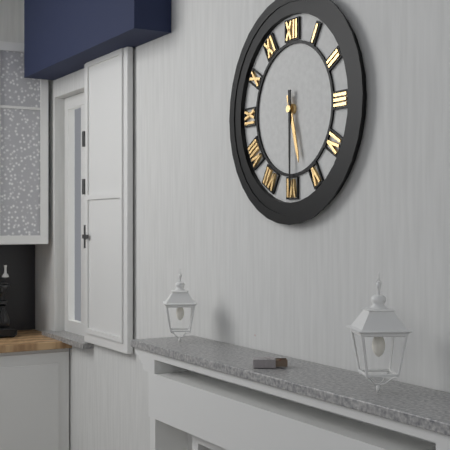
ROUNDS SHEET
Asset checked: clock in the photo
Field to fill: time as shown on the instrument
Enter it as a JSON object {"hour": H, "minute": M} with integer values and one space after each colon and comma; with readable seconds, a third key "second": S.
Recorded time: {"hour": 5, "minute": 30}
